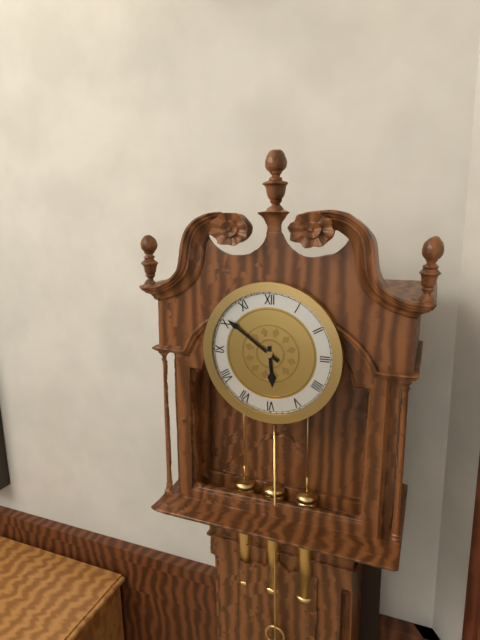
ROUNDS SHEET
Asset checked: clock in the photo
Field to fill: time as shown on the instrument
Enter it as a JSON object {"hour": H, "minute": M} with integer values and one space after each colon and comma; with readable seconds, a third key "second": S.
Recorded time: {"hour": 5, "minute": 51}
